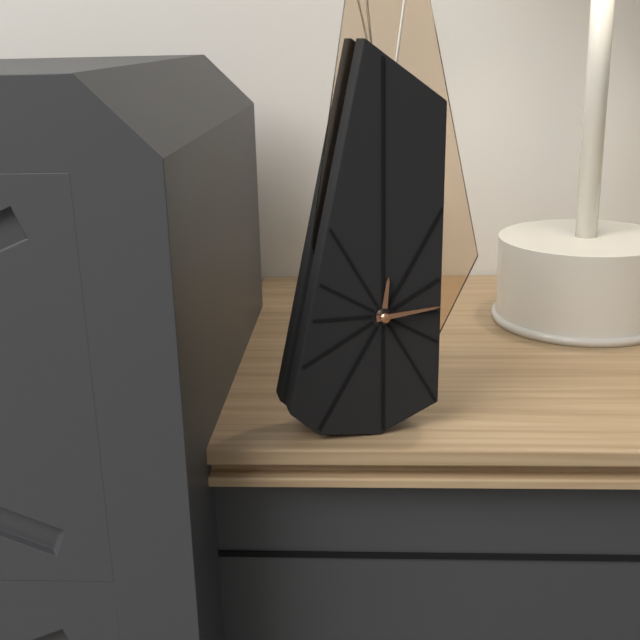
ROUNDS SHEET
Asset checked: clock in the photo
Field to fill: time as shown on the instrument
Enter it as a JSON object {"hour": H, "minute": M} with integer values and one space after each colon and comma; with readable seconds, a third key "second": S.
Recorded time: {"hour": 12, "minute": 14}
